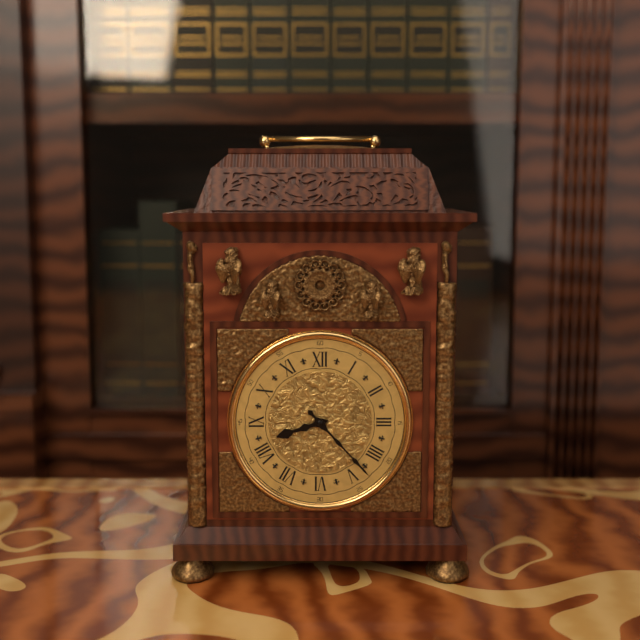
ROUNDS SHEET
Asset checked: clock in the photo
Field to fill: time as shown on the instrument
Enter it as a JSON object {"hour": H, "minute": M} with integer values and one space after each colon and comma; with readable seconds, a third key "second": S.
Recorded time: {"hour": 8, "minute": 23}
